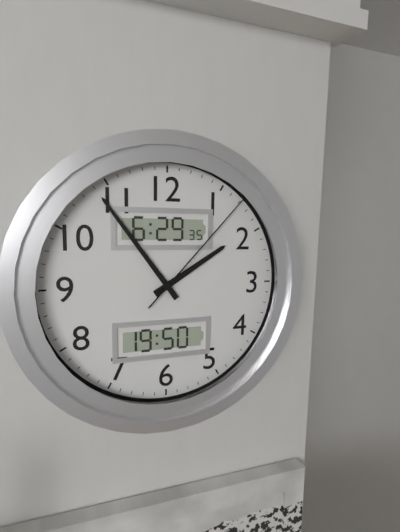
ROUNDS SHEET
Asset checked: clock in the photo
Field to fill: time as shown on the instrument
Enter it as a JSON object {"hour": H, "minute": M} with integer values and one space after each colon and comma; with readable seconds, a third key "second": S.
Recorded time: {"hour": 1, "minute": 54, "second": 7}
